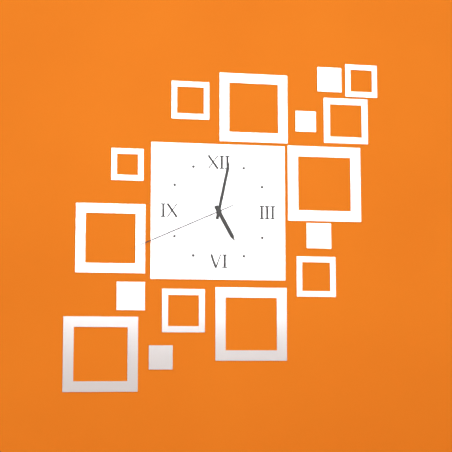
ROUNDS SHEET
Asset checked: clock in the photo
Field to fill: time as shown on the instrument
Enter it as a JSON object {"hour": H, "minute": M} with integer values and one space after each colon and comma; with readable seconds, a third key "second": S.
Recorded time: {"hour": 5, "minute": 2, "second": 41}
